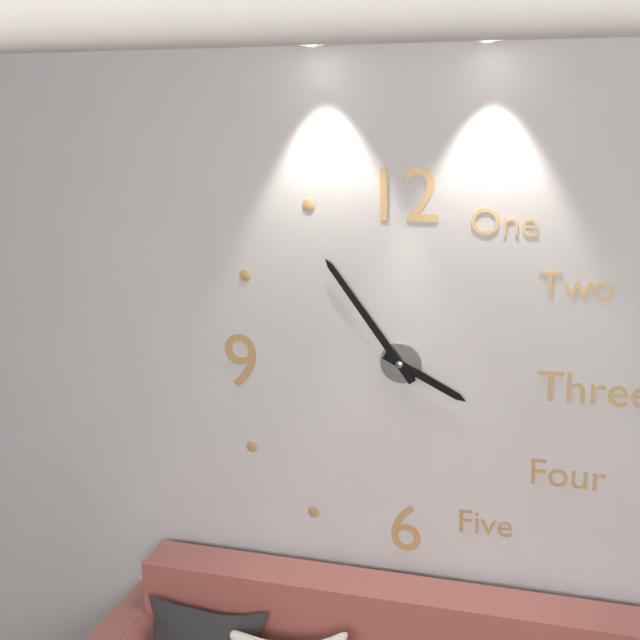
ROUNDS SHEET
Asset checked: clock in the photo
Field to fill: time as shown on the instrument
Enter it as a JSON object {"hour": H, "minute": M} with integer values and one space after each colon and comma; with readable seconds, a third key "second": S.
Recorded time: {"hour": 3, "minute": 54}
